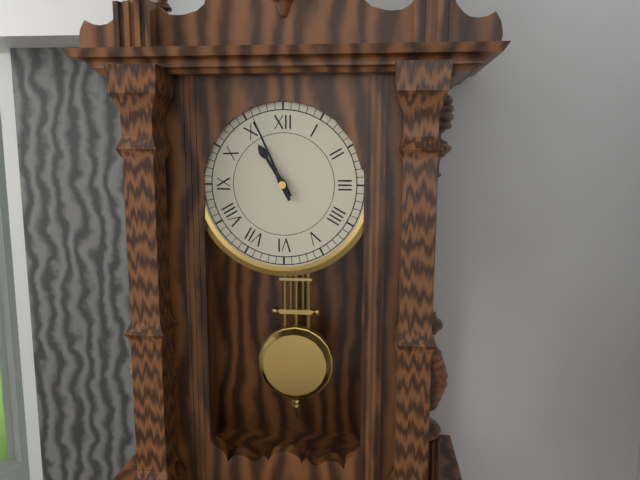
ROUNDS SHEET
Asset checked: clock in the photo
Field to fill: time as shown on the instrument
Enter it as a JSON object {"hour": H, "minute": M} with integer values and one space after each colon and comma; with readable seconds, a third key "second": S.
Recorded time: {"hour": 10, "minute": 56}
